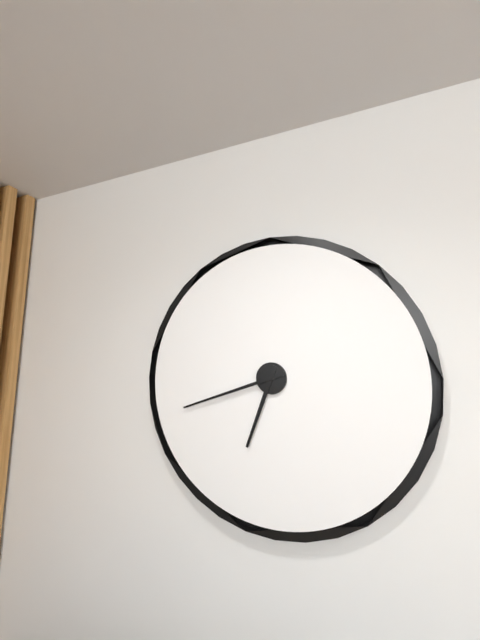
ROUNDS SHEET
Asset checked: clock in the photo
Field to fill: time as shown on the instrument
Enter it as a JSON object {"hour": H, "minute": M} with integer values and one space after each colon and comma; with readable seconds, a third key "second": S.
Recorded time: {"hour": 6, "minute": 42}
